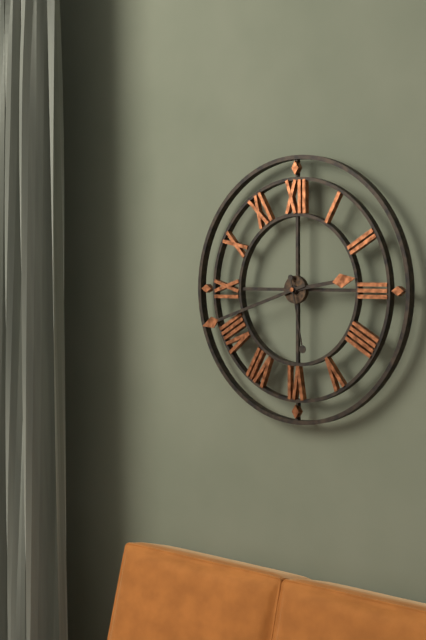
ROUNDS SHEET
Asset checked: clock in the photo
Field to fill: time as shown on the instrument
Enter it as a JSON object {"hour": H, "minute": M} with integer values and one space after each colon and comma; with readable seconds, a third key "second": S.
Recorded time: {"hour": 2, "minute": 42, "second": 28}
